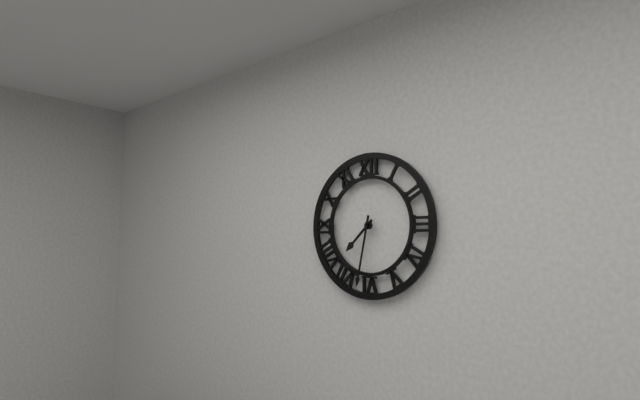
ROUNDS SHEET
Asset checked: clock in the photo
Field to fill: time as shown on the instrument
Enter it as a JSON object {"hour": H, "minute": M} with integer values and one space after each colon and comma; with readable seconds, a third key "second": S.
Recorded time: {"hour": 7, "minute": 32}
